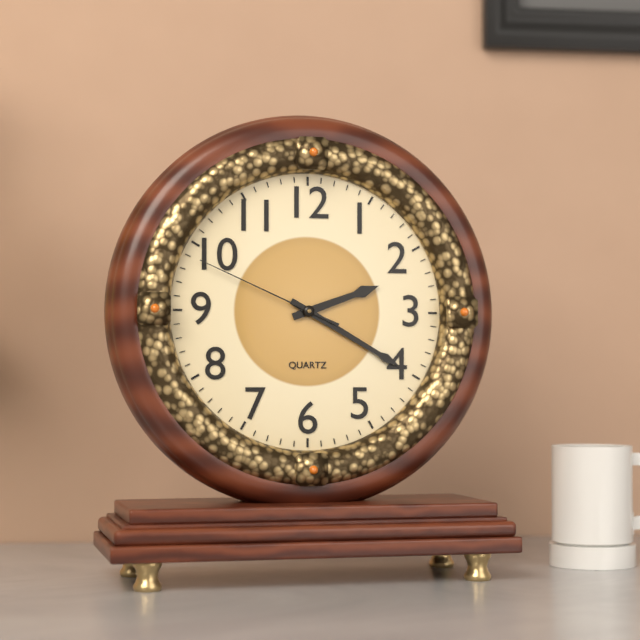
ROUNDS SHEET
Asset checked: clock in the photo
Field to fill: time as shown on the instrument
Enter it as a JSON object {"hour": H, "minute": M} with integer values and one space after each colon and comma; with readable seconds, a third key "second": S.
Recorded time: {"hour": 2, "minute": 20, "second": 49}
